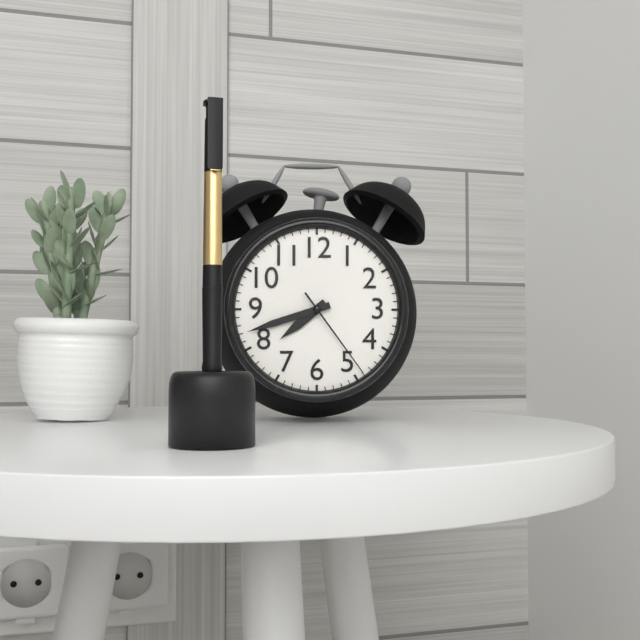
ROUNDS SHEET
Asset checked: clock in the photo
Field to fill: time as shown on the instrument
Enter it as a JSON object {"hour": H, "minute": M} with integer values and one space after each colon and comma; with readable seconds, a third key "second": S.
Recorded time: {"hour": 7, "minute": 42, "second": 24}
